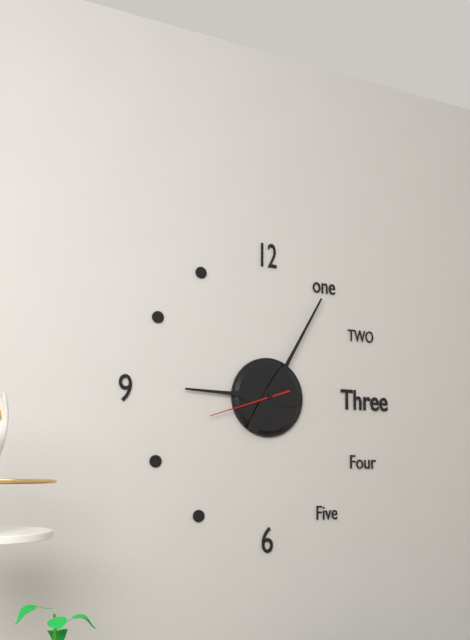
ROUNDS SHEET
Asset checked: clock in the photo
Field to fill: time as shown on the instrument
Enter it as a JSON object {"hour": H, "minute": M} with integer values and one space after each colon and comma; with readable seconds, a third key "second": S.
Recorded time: {"hour": 9, "minute": 5, "second": 42}
